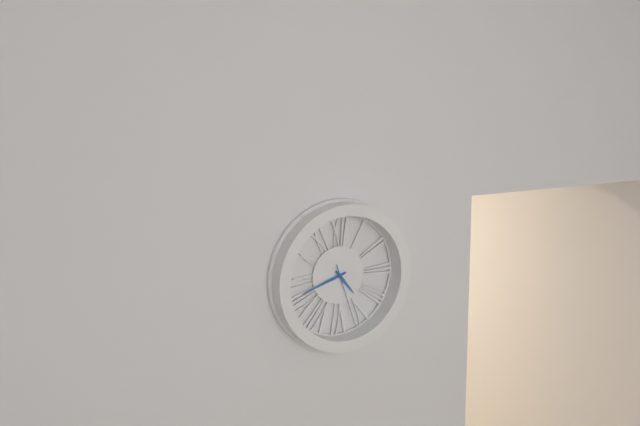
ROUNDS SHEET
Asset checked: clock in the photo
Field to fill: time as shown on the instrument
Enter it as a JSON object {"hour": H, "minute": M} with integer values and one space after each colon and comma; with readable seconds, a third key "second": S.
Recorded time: {"hour": 4, "minute": 42, "second": 27}
